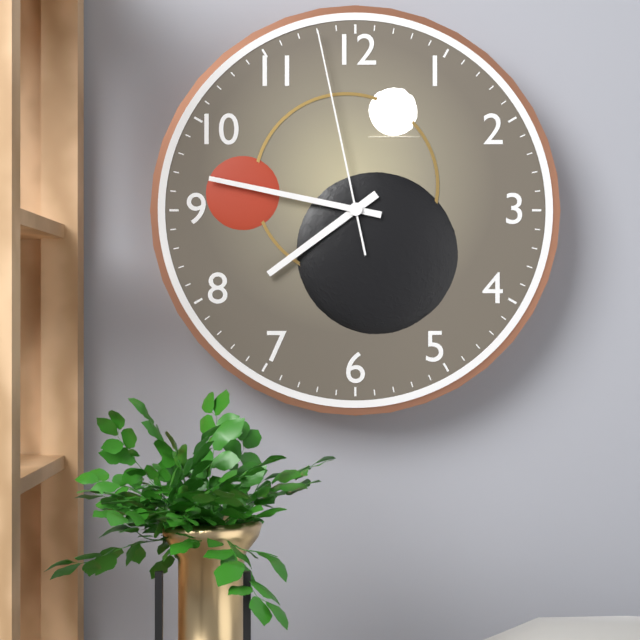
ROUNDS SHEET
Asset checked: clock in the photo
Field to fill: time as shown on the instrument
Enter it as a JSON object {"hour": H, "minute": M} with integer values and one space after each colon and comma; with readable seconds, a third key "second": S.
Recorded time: {"hour": 7, "minute": 47, "second": 58}
